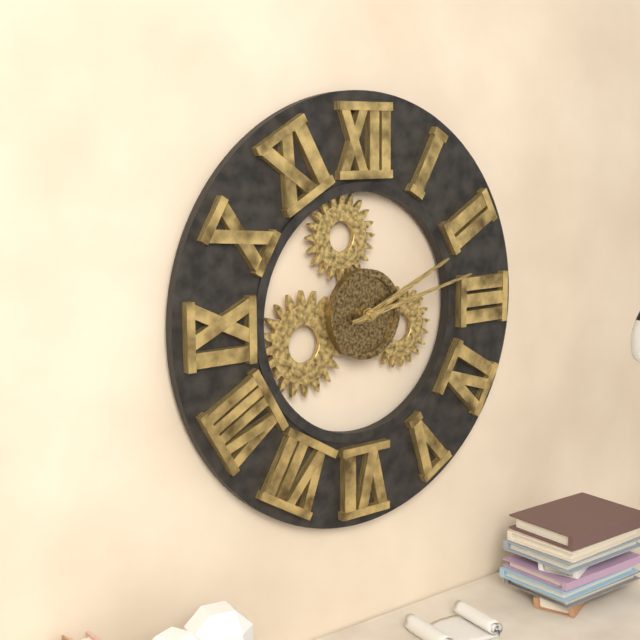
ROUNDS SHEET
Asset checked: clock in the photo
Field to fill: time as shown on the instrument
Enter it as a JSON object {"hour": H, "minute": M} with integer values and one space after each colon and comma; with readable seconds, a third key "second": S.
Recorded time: {"hour": 2, "minute": 13}
